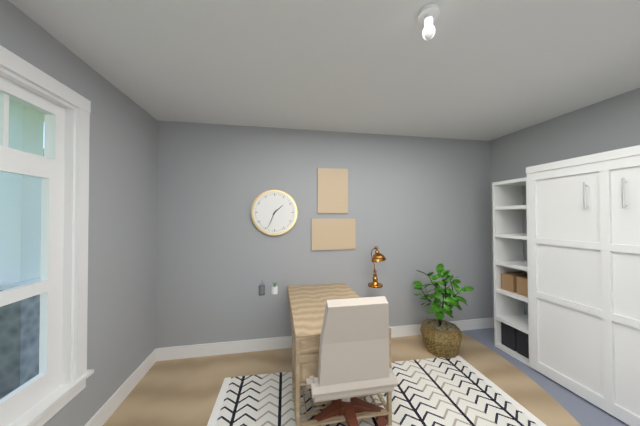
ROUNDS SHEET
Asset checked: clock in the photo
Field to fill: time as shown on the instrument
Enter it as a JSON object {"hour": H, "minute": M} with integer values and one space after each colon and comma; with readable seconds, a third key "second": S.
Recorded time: {"hour": 1, "minute": 34}
